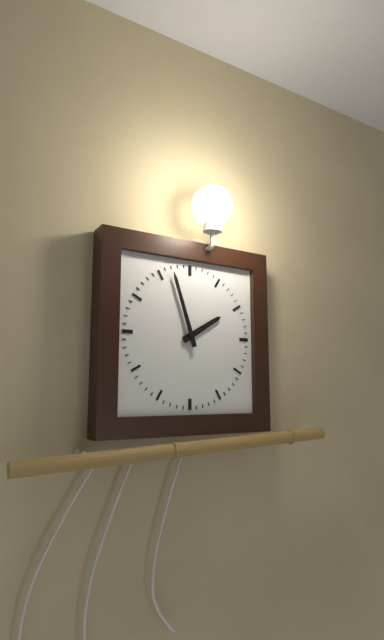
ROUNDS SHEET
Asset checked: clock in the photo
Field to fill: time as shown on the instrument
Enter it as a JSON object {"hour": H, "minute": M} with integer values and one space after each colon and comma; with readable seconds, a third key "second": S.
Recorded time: {"hour": 1, "minute": 57}
